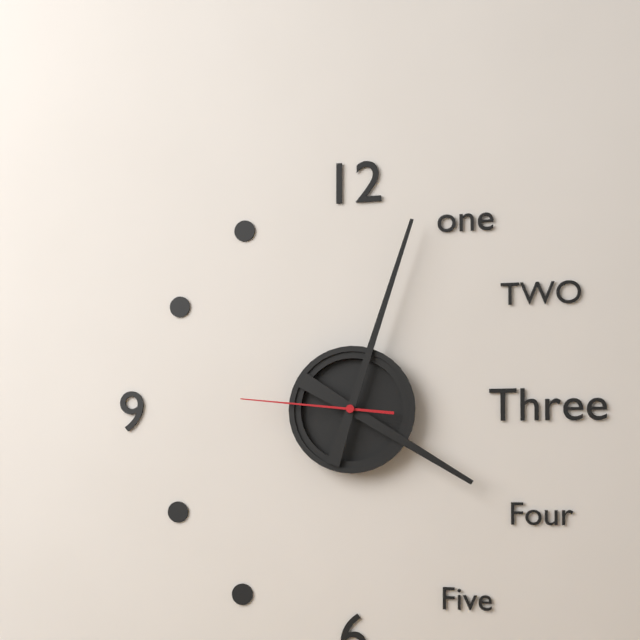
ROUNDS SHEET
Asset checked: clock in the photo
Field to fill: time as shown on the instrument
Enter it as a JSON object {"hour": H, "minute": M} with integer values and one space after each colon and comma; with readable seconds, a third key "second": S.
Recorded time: {"hour": 4, "minute": 3, "second": 46}
